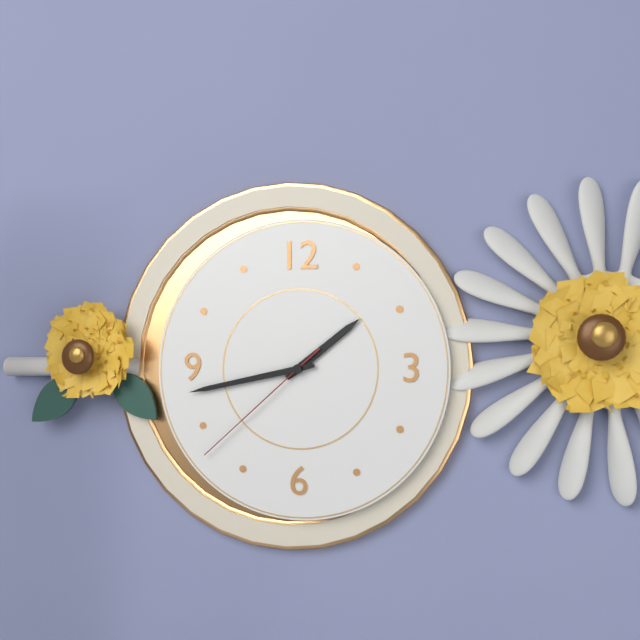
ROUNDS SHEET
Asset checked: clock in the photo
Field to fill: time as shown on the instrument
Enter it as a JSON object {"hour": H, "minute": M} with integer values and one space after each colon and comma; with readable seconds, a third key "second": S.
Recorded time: {"hour": 1, "minute": 43, "second": 38}
